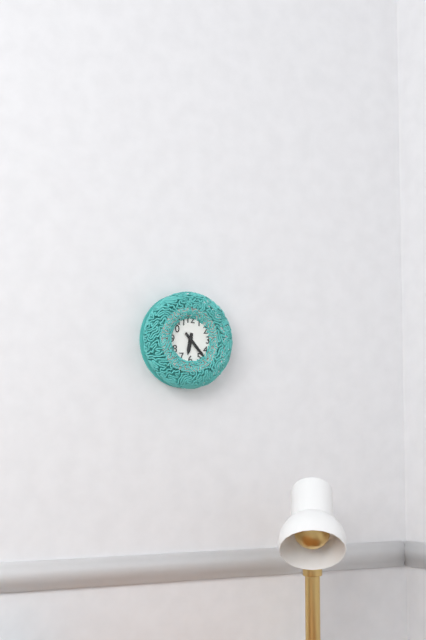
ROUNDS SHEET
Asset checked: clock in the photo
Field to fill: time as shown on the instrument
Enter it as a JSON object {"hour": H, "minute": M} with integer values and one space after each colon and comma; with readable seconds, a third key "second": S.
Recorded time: {"hour": 6, "minute": 23}
